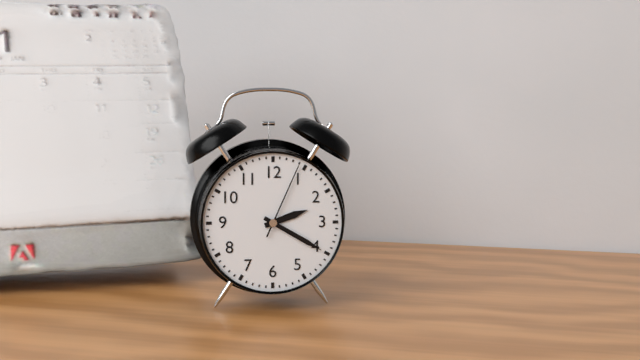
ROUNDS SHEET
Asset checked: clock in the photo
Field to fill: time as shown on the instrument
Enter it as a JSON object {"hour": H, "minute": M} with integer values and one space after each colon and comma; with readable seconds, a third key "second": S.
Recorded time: {"hour": 2, "minute": 20, "second": 4}
